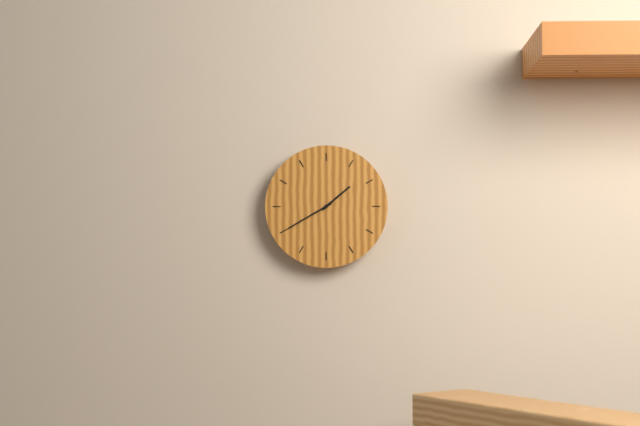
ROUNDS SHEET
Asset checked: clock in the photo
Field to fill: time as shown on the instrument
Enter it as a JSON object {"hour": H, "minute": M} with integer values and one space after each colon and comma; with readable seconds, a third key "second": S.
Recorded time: {"hour": 1, "minute": 40}
